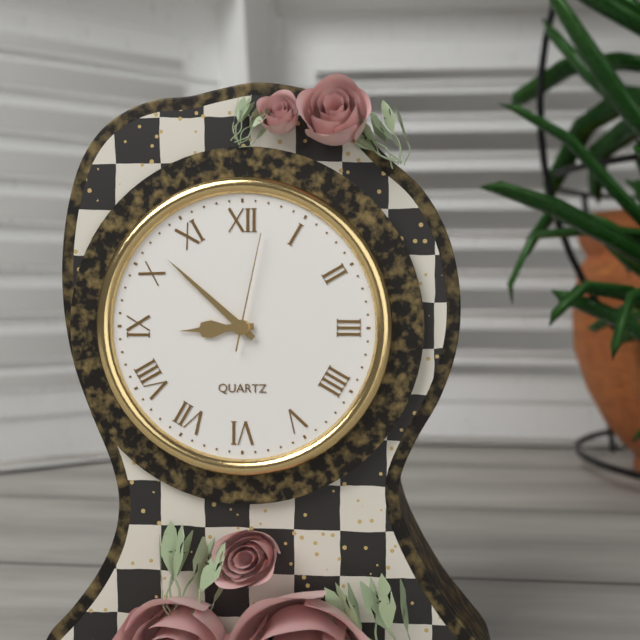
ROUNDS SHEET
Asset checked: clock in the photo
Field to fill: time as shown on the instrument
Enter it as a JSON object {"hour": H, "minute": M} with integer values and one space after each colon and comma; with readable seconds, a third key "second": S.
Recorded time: {"hour": 8, "minute": 52, "second": 2}
